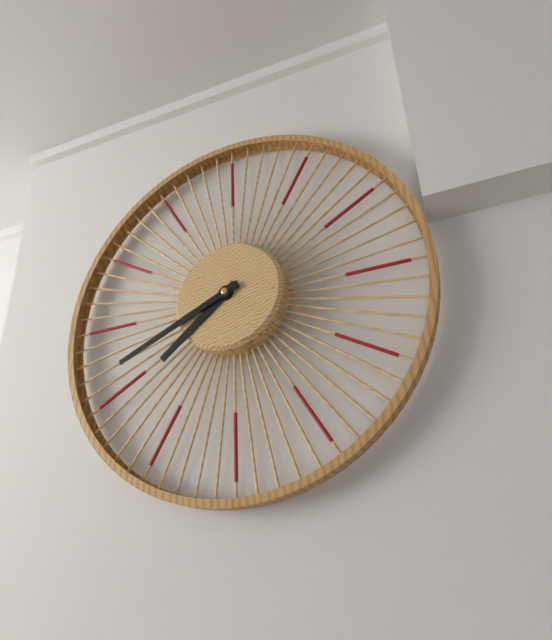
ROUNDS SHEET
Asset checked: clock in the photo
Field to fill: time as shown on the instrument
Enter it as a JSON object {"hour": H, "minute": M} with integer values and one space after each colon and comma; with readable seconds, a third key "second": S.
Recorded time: {"hour": 7, "minute": 41}
